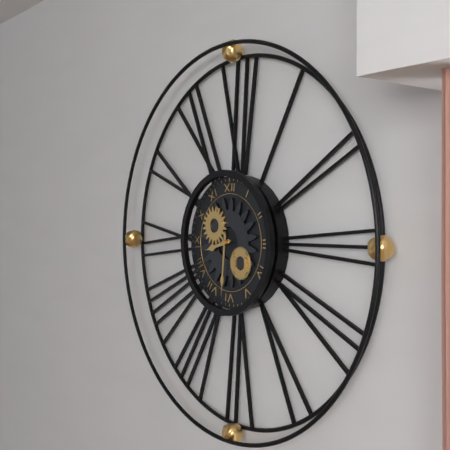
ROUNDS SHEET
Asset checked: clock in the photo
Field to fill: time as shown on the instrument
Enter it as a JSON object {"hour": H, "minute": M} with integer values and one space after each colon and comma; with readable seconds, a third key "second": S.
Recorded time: {"hour": 8, "minute": 31}
